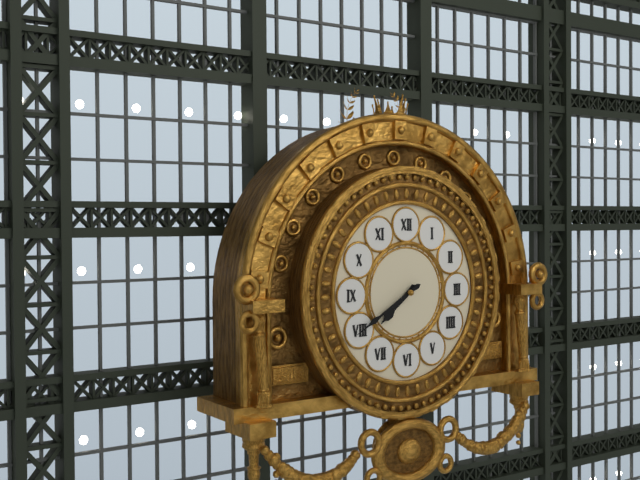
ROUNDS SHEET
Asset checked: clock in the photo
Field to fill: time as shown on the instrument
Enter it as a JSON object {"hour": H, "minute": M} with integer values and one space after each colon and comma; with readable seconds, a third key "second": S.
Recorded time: {"hour": 7, "minute": 40}
